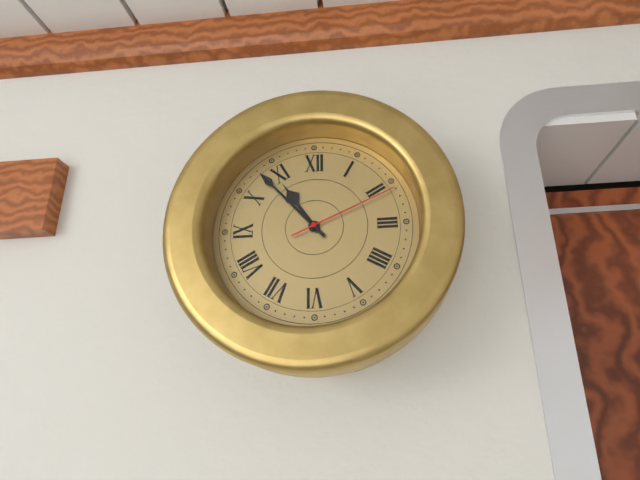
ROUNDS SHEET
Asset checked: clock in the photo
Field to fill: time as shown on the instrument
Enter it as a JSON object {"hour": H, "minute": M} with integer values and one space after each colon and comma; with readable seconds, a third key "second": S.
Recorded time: {"hour": 10, "minute": 53, "second": 11}
